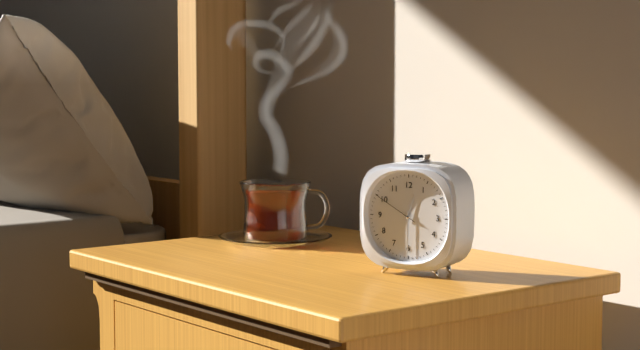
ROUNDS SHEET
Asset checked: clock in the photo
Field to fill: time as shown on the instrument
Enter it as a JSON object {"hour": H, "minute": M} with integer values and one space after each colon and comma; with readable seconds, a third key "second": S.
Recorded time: {"hour": 12, "minute": 30}
